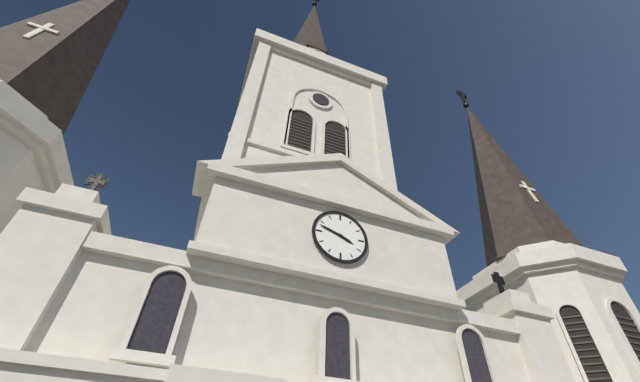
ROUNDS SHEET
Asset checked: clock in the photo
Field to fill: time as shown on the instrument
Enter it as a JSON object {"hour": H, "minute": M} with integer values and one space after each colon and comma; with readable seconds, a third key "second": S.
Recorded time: {"hour": 3, "minute": 48}
